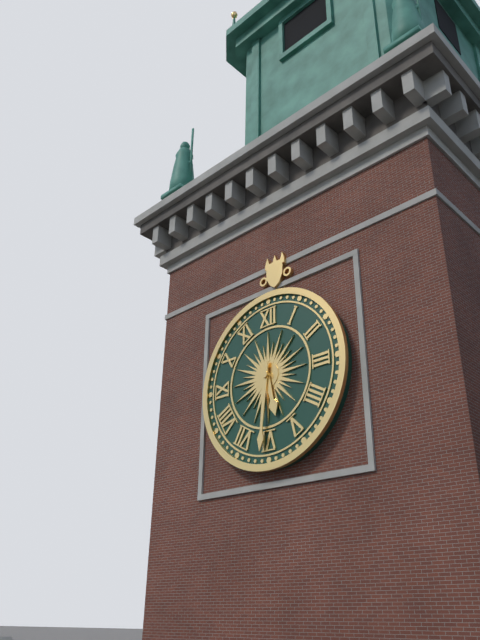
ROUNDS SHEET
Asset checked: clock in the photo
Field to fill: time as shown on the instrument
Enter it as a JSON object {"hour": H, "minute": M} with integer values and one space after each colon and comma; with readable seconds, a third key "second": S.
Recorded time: {"hour": 5, "minute": 31}
